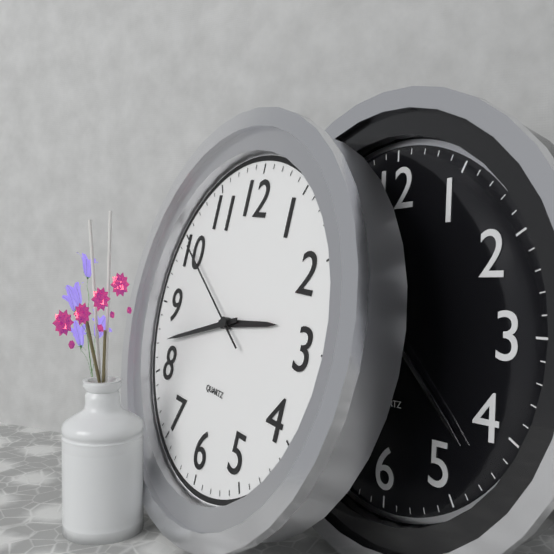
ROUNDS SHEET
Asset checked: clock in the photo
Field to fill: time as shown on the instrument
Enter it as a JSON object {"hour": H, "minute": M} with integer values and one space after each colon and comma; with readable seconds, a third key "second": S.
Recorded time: {"hour": 2, "minute": 42, "second": 50}
